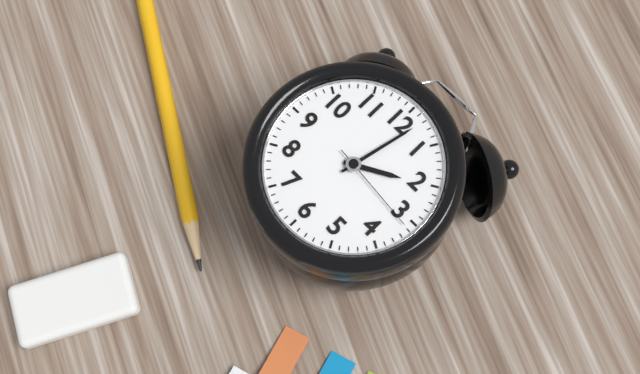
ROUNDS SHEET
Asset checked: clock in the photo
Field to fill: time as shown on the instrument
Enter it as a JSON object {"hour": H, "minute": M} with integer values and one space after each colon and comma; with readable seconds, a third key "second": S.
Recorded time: {"hour": 2, "minute": 2, "second": 16}
